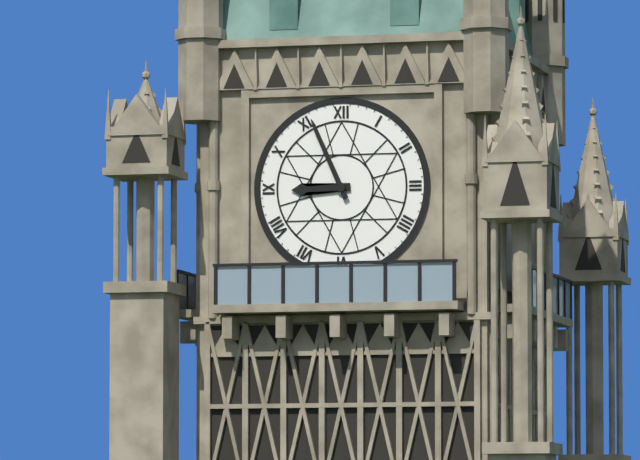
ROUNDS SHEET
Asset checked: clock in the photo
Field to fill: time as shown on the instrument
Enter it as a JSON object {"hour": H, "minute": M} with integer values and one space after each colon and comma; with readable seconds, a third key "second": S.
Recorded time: {"hour": 8, "minute": 56}
